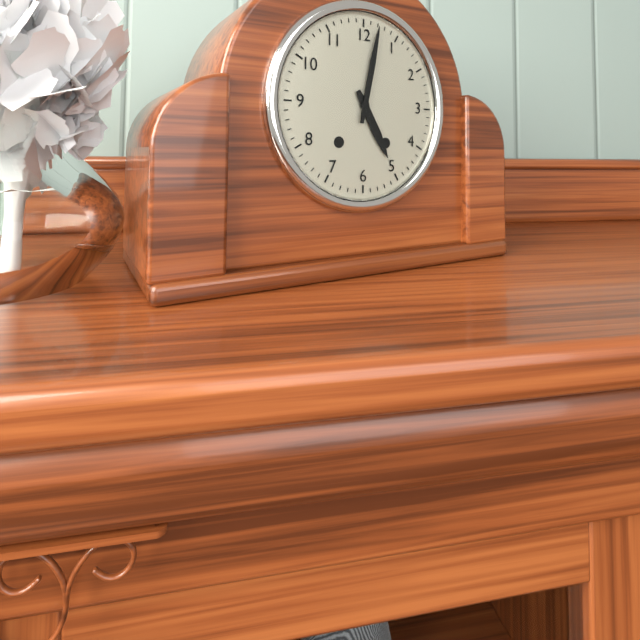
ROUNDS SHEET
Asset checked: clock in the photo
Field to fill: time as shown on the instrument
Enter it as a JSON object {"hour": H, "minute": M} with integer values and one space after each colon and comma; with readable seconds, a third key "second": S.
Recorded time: {"hour": 5, "minute": 2}
